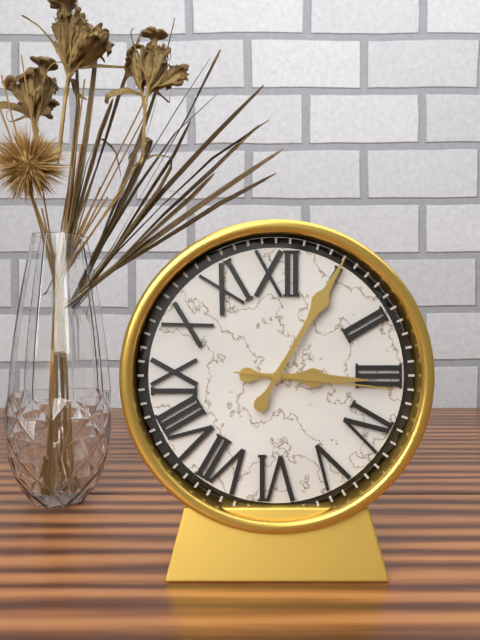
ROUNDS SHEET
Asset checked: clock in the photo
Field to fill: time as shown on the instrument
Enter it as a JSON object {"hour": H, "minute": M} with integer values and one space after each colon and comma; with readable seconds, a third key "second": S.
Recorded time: {"hour": 3, "minute": 5, "second": 16}
